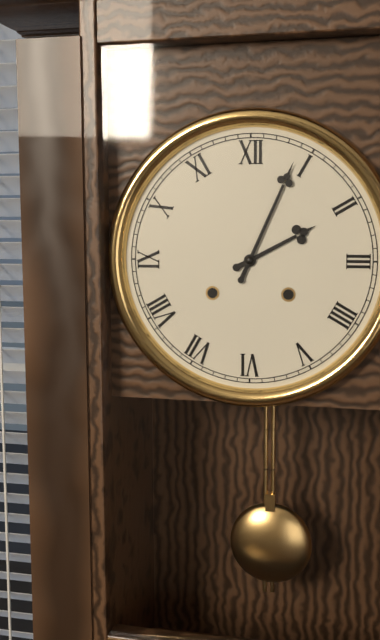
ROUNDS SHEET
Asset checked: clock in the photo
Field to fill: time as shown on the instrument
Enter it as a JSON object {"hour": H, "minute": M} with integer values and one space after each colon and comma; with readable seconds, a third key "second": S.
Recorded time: {"hour": 2, "minute": 4}
